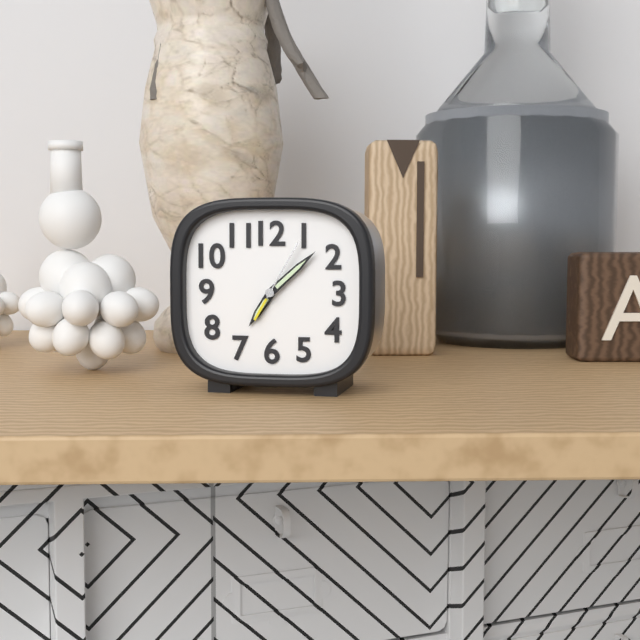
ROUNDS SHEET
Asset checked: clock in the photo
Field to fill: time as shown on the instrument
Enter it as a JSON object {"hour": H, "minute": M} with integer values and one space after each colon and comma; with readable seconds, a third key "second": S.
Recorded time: {"hour": 7, "minute": 8, "second": 5}
